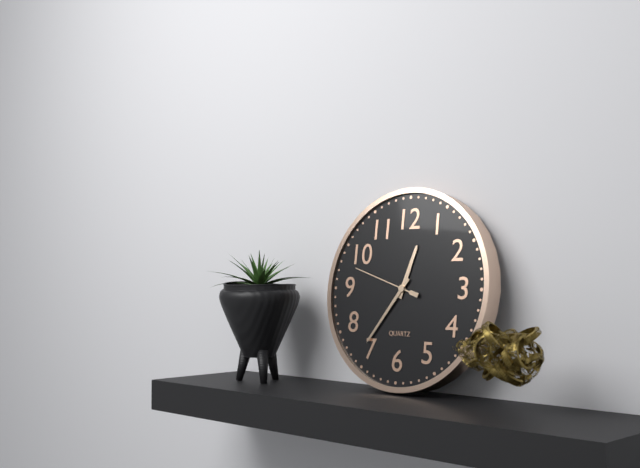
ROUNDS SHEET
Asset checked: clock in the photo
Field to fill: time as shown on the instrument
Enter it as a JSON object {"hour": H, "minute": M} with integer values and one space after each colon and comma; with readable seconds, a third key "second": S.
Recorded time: {"hour": 12, "minute": 36, "second": 48}
